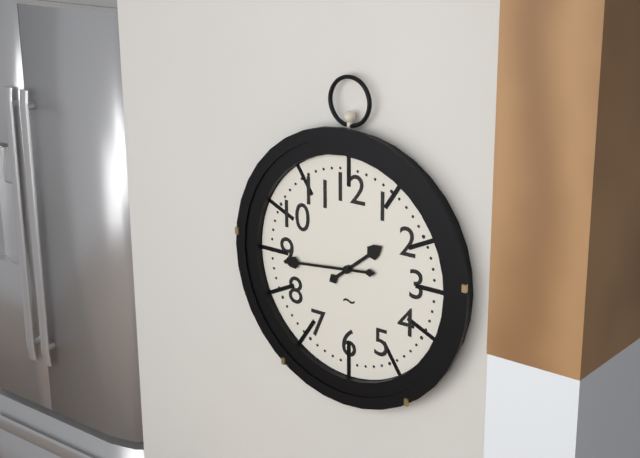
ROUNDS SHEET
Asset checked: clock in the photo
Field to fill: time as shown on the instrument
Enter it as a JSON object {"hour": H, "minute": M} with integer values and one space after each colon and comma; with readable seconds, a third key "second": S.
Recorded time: {"hour": 1, "minute": 44}
